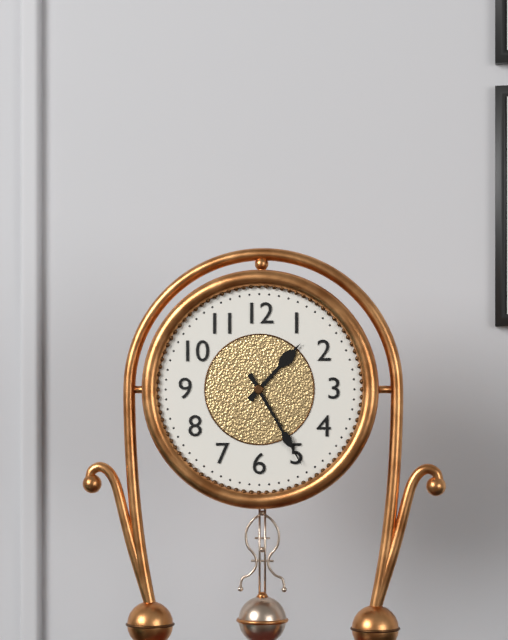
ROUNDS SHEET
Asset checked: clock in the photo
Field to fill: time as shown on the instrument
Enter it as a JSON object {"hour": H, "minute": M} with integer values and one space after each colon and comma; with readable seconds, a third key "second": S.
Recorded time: {"hour": 1, "minute": 25}
